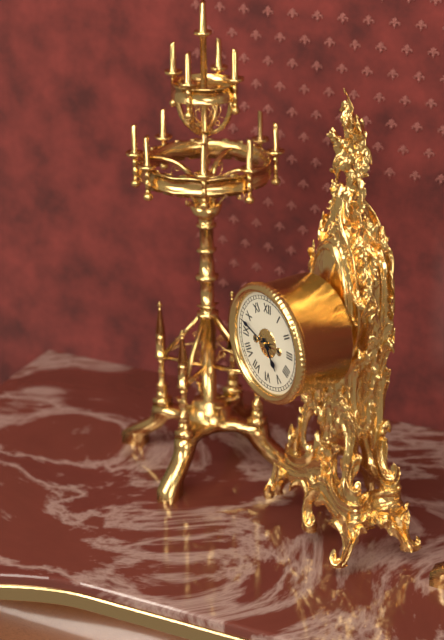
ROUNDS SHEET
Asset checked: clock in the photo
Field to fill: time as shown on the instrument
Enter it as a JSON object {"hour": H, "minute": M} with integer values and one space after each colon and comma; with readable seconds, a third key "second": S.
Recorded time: {"hour": 4, "minute": 48}
